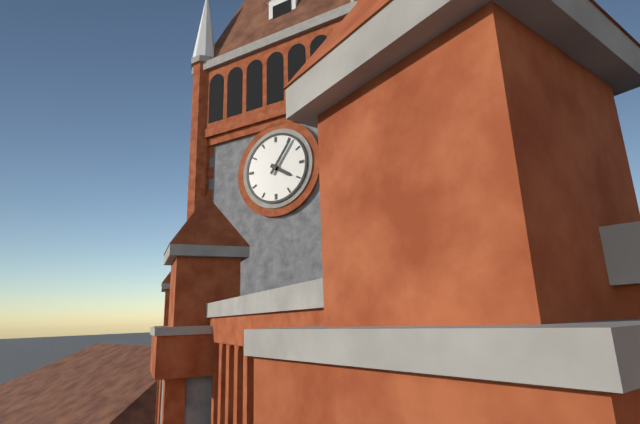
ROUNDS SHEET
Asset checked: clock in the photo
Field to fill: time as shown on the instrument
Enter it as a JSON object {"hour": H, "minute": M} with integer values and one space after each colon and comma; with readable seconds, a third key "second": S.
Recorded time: {"hour": 4, "minute": 6}
